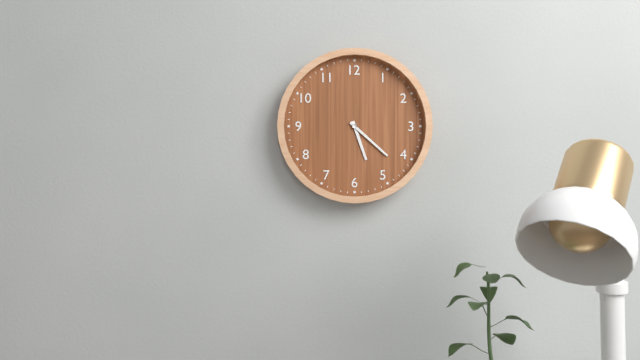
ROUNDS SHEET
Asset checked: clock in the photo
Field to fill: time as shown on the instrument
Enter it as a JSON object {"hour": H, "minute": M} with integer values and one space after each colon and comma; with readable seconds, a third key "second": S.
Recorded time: {"hour": 5, "minute": 22}
